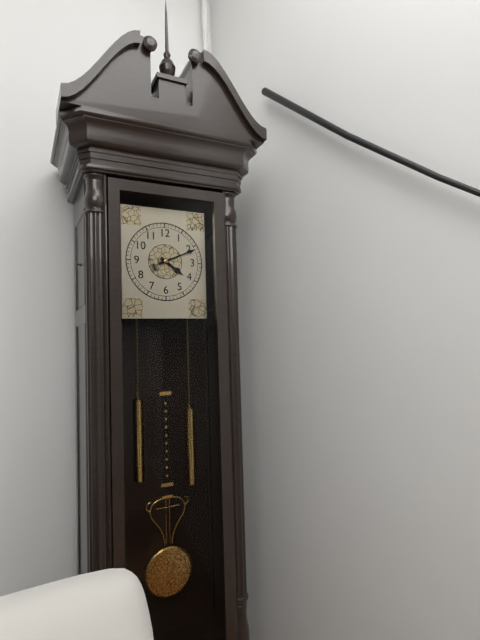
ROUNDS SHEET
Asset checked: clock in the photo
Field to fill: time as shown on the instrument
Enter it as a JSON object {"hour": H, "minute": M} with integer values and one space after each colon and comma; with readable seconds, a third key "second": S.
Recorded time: {"hour": 4, "minute": 11}
